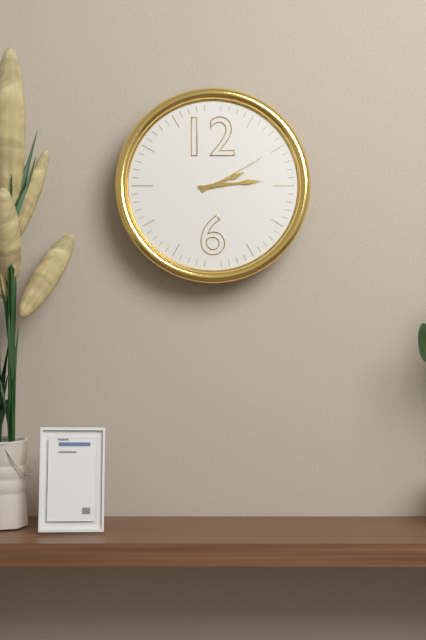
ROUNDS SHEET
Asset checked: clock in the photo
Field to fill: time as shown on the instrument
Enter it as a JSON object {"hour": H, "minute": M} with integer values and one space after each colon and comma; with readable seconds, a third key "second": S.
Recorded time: {"hour": 2, "minute": 14, "second": 10}
